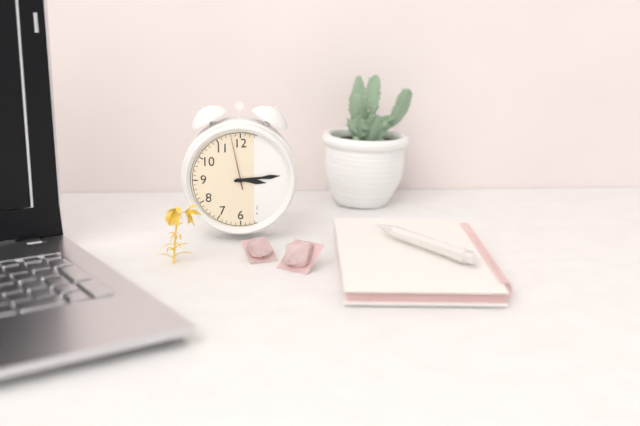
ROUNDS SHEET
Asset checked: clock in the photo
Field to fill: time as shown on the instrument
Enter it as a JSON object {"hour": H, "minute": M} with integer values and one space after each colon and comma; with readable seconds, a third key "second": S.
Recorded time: {"hour": 3, "minute": 14, "second": 58}
